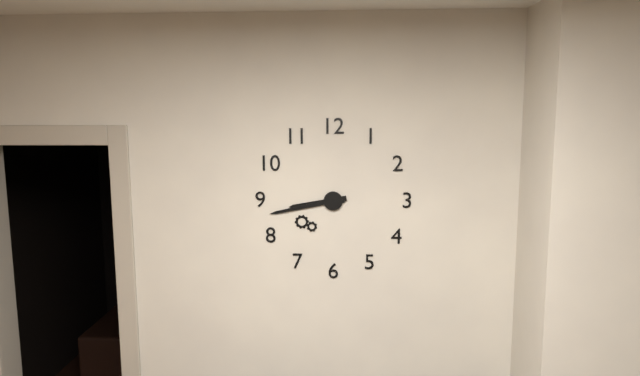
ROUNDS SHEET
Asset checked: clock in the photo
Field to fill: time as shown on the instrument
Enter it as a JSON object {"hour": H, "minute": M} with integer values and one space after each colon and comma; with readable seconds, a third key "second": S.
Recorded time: {"hour": 8, "minute": 43}
